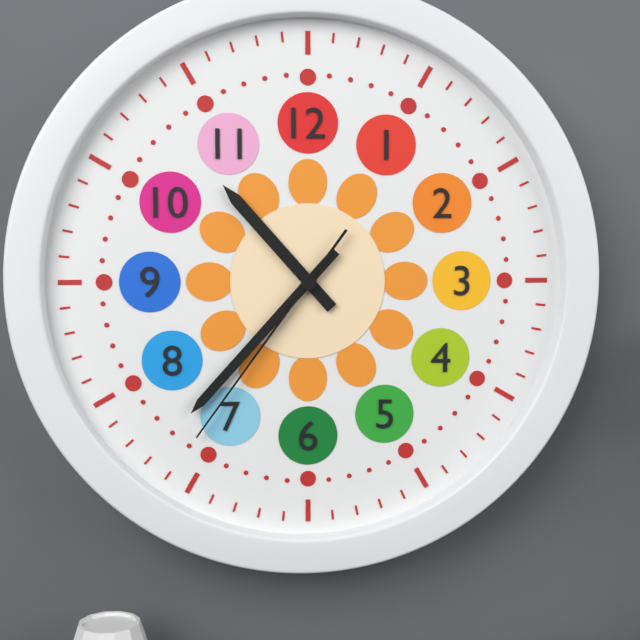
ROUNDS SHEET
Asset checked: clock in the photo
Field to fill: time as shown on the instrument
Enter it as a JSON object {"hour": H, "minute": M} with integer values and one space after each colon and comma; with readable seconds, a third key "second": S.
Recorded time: {"hour": 10, "minute": 37, "second": 36}
